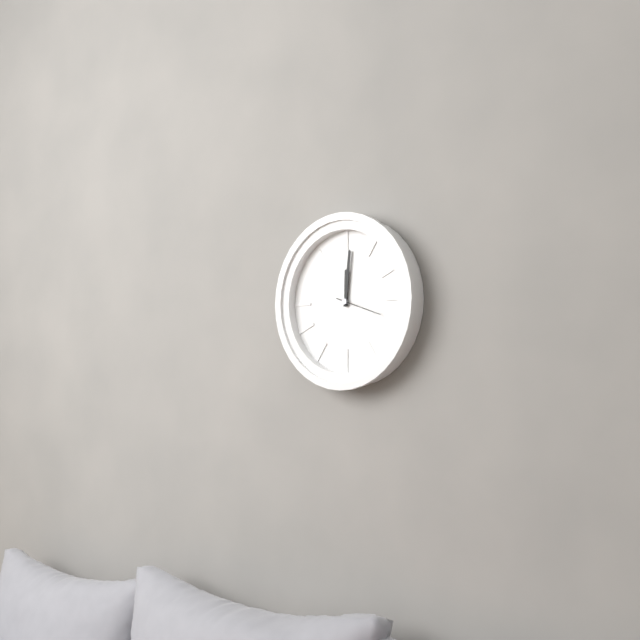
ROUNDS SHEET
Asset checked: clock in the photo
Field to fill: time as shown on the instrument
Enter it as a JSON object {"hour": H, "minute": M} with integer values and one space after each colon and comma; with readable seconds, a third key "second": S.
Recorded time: {"hour": 12, "minute": 1}
